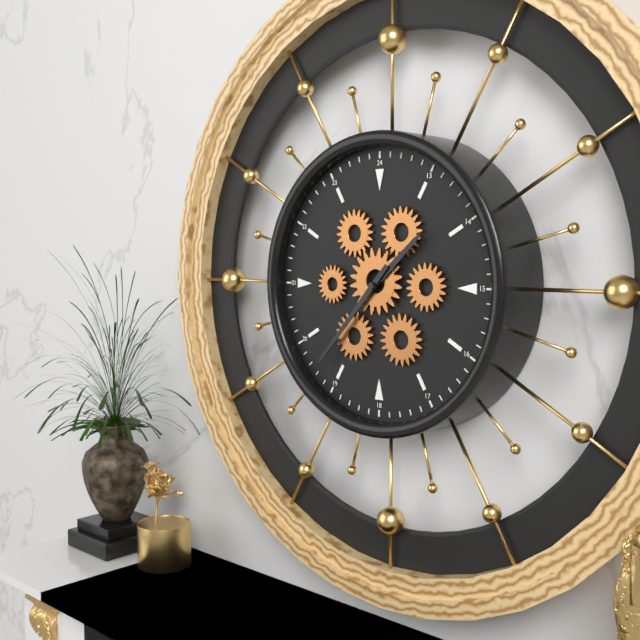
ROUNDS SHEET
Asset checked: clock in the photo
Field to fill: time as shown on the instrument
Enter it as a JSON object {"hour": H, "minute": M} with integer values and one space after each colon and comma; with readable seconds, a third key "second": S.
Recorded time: {"hour": 1, "minute": 37}
